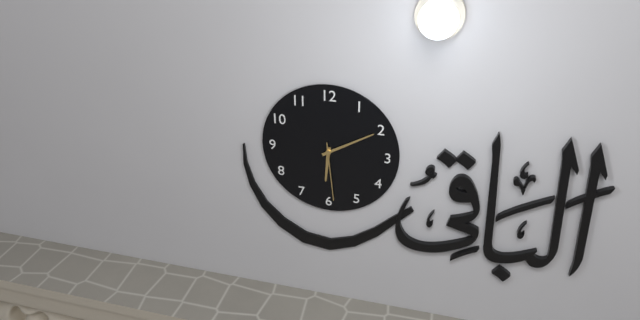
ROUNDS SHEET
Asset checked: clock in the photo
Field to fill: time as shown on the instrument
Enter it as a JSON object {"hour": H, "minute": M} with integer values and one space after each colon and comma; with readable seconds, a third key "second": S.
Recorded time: {"hour": 6, "minute": 10, "second": 29}
